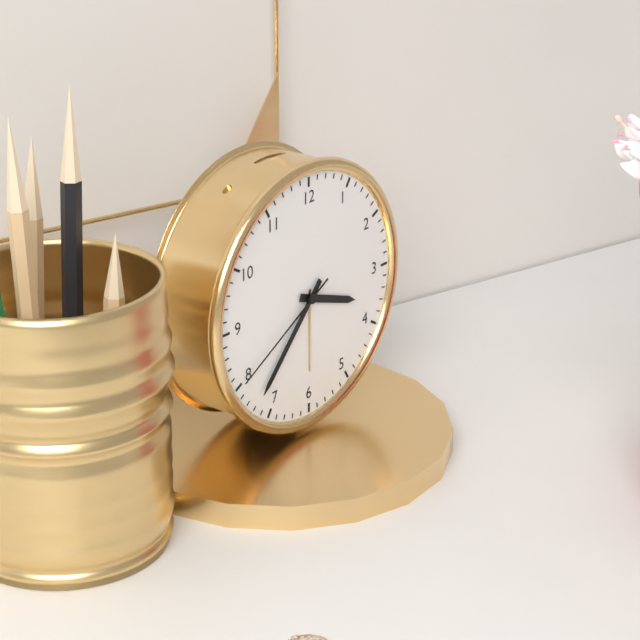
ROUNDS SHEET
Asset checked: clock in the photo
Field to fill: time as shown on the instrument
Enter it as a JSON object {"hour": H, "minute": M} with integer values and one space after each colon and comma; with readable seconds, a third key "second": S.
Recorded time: {"hour": 3, "minute": 37, "second": 40}
